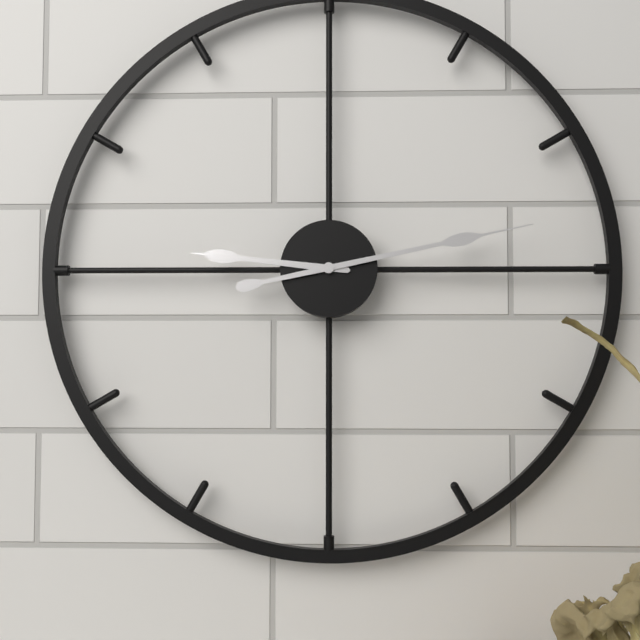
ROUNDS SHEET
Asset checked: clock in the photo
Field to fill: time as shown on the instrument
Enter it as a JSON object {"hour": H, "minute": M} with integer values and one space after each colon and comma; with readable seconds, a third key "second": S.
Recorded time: {"hour": 9, "minute": 13}
